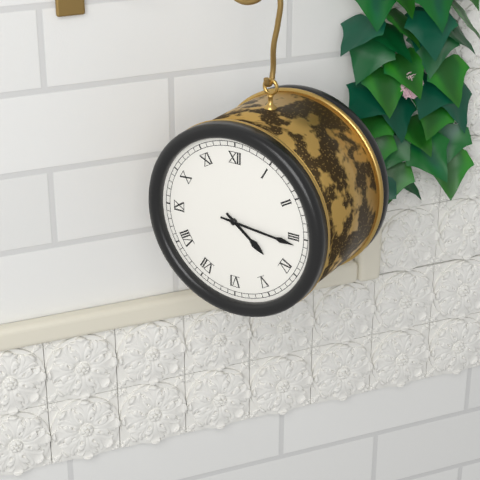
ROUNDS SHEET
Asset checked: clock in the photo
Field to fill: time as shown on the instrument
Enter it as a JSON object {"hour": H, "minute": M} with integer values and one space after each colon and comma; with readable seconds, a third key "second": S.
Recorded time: {"hour": 4, "minute": 16}
